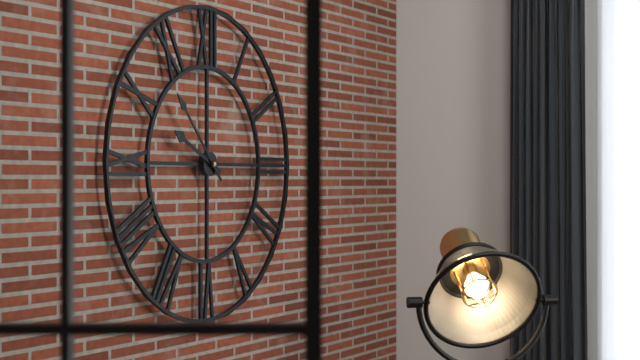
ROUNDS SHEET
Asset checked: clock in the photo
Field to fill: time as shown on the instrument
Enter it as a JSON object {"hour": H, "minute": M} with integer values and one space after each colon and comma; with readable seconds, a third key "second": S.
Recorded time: {"hour": 9, "minute": 53}
